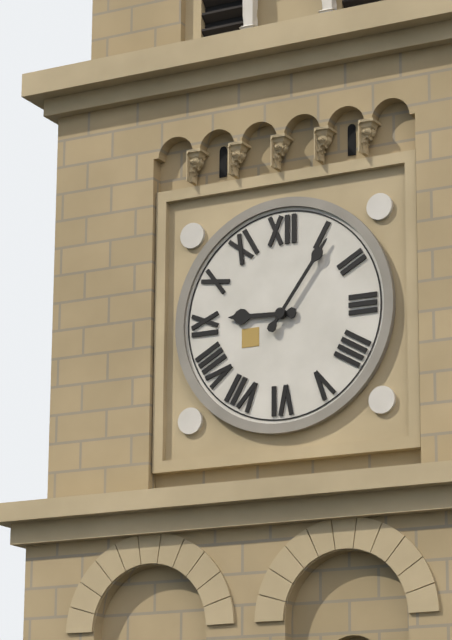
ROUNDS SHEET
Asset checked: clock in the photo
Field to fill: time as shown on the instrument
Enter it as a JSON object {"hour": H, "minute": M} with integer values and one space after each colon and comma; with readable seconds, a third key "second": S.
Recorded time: {"hour": 9, "minute": 6}
